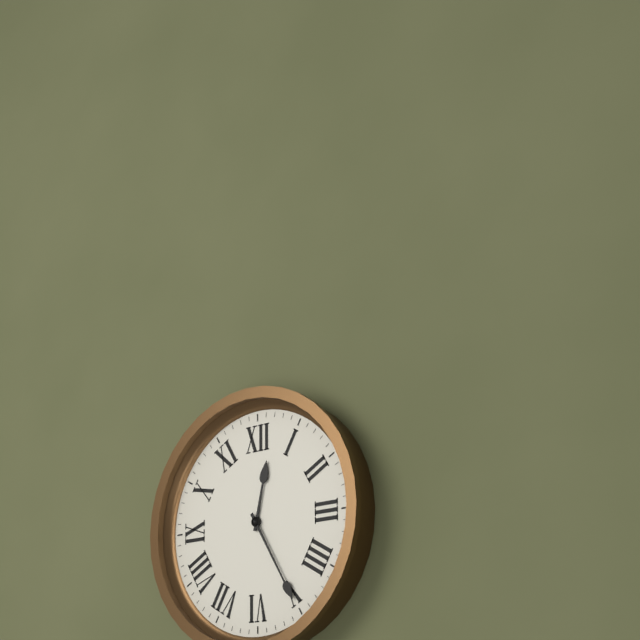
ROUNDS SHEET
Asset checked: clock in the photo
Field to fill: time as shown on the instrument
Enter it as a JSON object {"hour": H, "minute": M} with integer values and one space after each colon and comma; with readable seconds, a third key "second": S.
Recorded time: {"hour": 12, "minute": 25}
